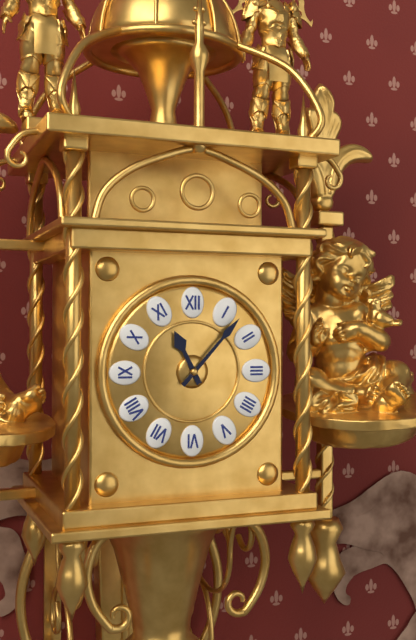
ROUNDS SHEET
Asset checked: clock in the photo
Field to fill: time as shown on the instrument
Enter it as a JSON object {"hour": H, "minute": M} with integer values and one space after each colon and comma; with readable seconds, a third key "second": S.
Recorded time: {"hour": 11, "minute": 7}
